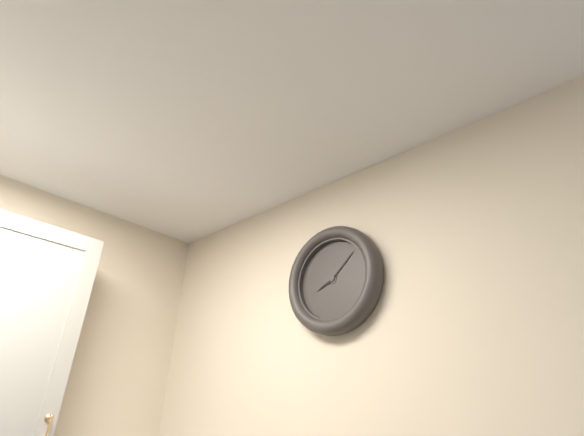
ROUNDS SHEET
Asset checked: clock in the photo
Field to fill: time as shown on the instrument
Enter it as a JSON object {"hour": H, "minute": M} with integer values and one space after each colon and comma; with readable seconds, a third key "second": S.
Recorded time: {"hour": 8, "minute": 8}
